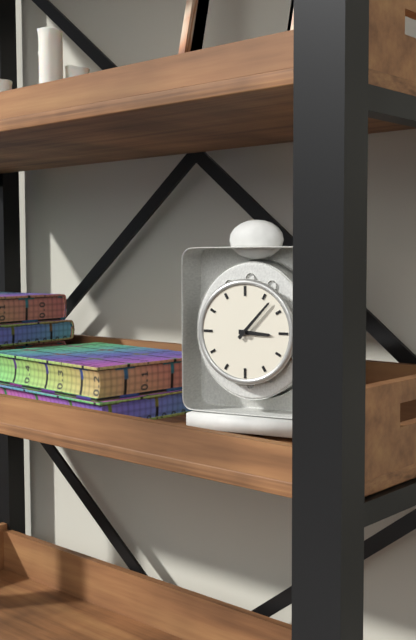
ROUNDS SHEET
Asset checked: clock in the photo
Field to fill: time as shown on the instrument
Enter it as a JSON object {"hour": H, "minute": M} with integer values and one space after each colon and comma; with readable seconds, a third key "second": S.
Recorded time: {"hour": 3, "minute": 7}
